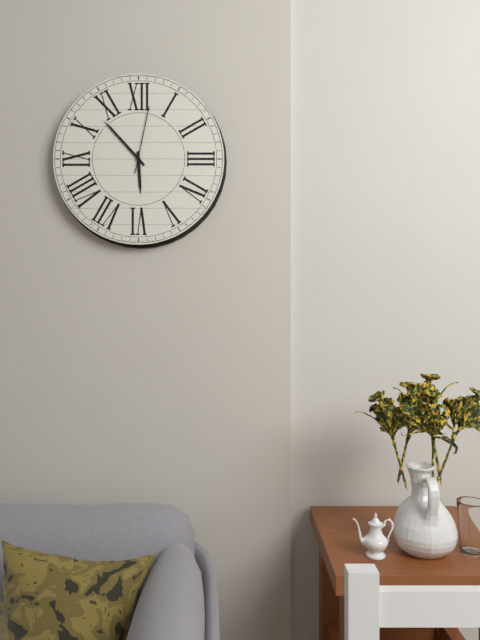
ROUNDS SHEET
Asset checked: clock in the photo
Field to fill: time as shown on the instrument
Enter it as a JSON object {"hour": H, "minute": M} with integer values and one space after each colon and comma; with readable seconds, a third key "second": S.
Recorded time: {"hour": 5, "minute": 53, "second": 2}
